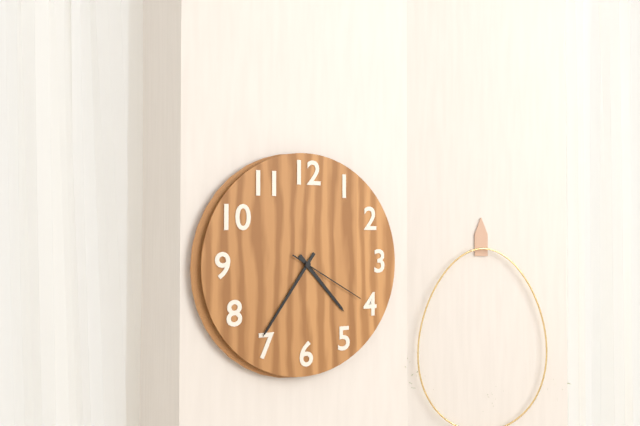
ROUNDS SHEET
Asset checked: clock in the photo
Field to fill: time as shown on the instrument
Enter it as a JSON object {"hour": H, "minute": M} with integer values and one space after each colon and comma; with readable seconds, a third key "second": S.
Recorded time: {"hour": 4, "minute": 36, "second": 20}
